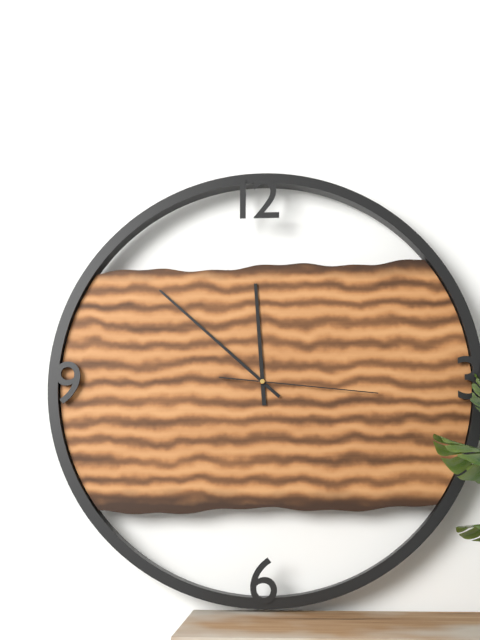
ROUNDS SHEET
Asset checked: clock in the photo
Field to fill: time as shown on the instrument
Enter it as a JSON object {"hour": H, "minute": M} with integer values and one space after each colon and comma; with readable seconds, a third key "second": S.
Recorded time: {"hour": 11, "minute": 52, "second": 16}
